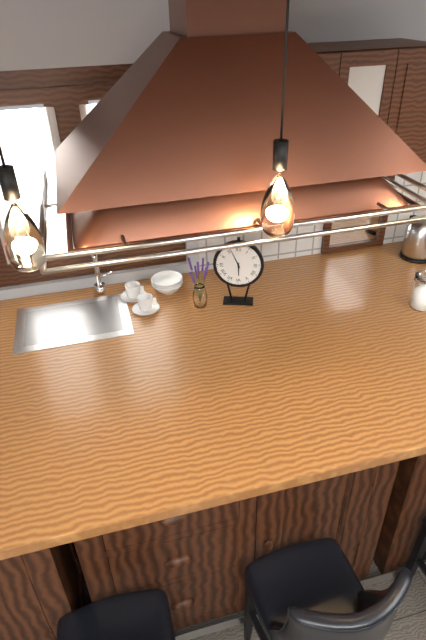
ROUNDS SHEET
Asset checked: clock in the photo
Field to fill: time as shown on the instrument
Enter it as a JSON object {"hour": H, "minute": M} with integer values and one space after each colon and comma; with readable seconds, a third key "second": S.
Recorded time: {"hour": 5, "minute": 56}
